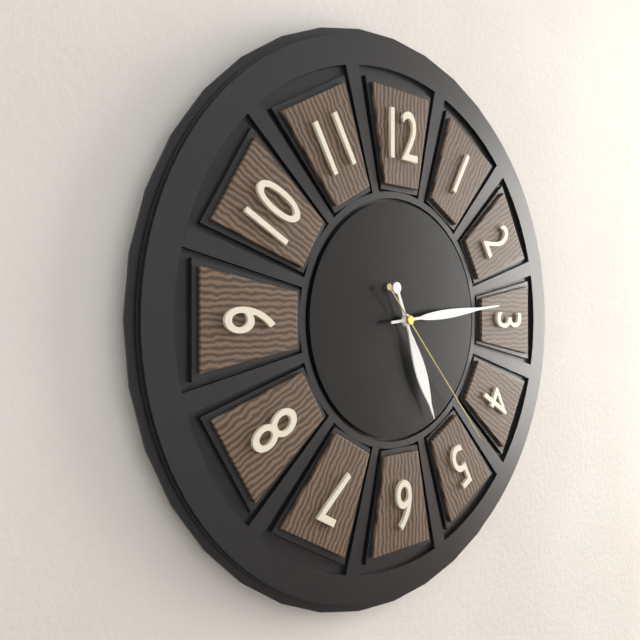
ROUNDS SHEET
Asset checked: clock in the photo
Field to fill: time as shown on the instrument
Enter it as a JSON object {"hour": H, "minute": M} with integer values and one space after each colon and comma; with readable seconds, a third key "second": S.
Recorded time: {"hour": 5, "minute": 14, "second": 23}
